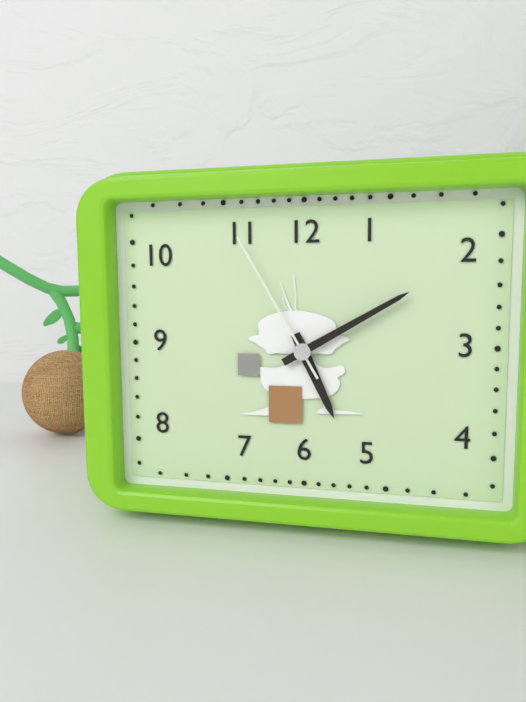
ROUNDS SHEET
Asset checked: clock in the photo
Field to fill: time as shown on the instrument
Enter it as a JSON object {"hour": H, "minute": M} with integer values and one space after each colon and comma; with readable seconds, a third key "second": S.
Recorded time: {"hour": 5, "minute": 10, "second": 55}
